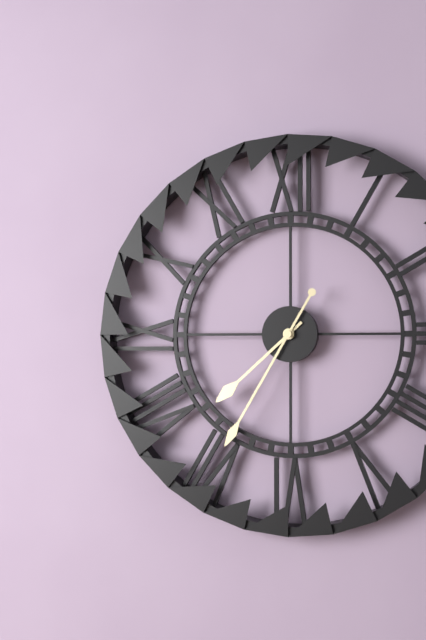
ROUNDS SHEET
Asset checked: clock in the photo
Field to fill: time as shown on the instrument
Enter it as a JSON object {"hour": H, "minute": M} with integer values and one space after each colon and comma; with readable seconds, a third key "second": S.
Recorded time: {"hour": 7, "minute": 35}
